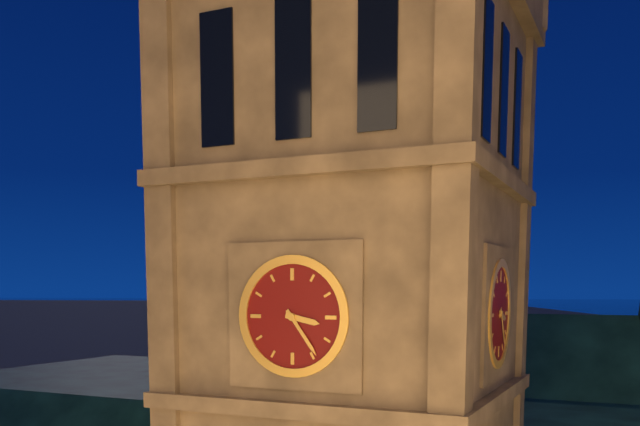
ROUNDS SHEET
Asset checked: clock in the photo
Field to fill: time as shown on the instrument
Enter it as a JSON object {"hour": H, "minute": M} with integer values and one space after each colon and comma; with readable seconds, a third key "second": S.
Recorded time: {"hour": 3, "minute": 24}
